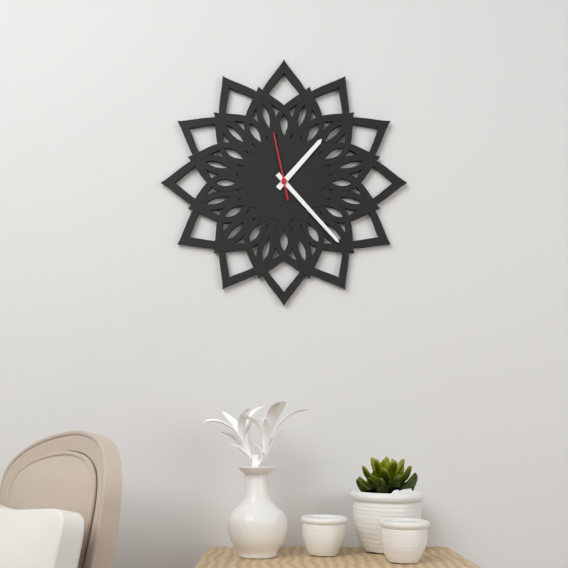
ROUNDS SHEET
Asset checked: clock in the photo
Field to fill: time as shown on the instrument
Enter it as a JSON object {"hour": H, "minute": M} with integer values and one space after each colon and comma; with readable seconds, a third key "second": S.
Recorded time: {"hour": 1, "minute": 23, "second": 58}
